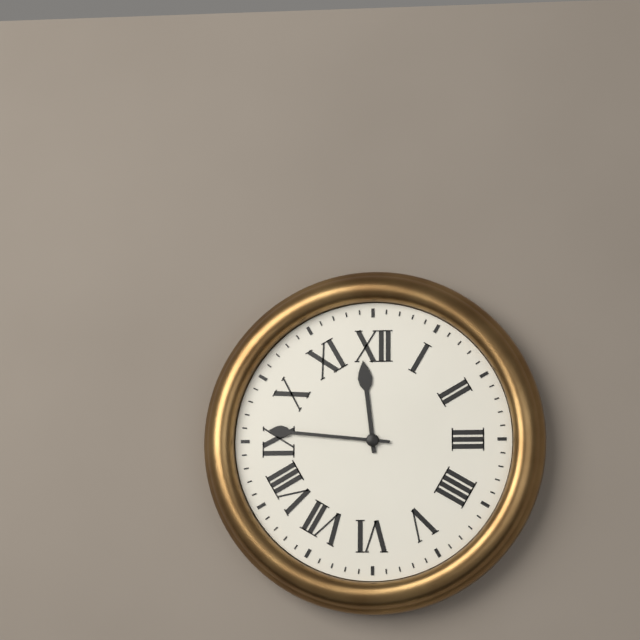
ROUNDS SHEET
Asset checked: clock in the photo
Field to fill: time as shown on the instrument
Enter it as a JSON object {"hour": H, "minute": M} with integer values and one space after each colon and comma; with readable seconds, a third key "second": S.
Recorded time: {"hour": 11, "minute": 46}
